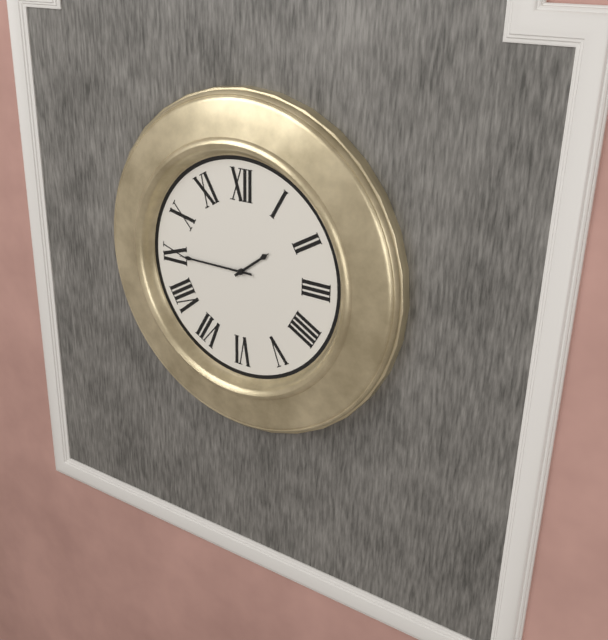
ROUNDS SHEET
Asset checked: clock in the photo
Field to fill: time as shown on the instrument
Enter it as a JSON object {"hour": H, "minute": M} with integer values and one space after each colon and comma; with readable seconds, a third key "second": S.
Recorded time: {"hour": 1, "minute": 45}
